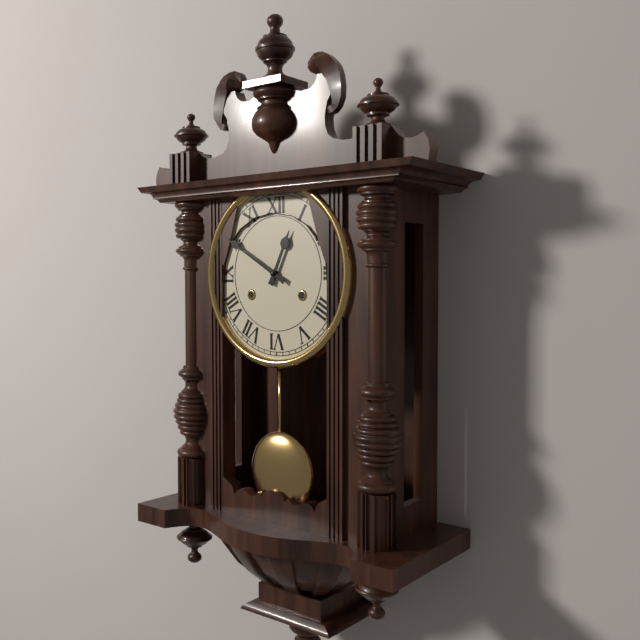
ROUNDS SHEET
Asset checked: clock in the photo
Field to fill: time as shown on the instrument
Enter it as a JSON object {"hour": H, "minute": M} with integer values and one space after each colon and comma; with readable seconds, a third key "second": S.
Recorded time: {"hour": 12, "minute": 50}
